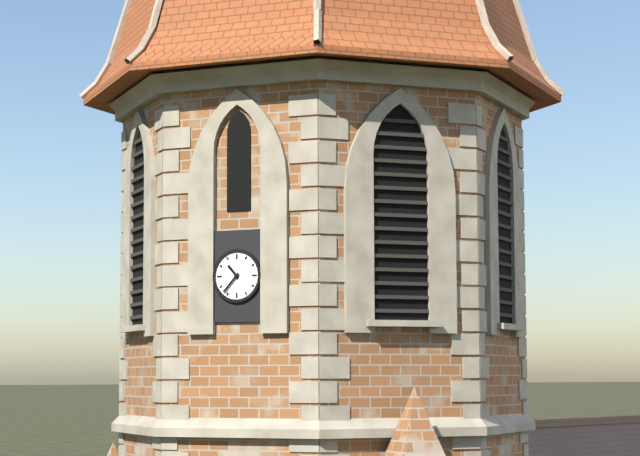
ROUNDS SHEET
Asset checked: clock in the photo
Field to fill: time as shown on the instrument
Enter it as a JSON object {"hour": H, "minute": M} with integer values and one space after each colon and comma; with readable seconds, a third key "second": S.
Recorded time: {"hour": 10, "minute": 37}
